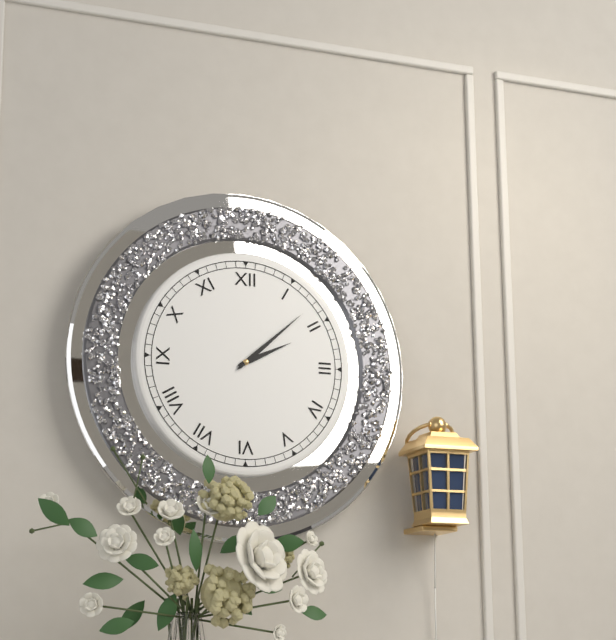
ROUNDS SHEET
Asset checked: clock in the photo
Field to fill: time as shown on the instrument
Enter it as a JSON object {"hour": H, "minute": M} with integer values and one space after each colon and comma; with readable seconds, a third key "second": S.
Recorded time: {"hour": 2, "minute": 8}
